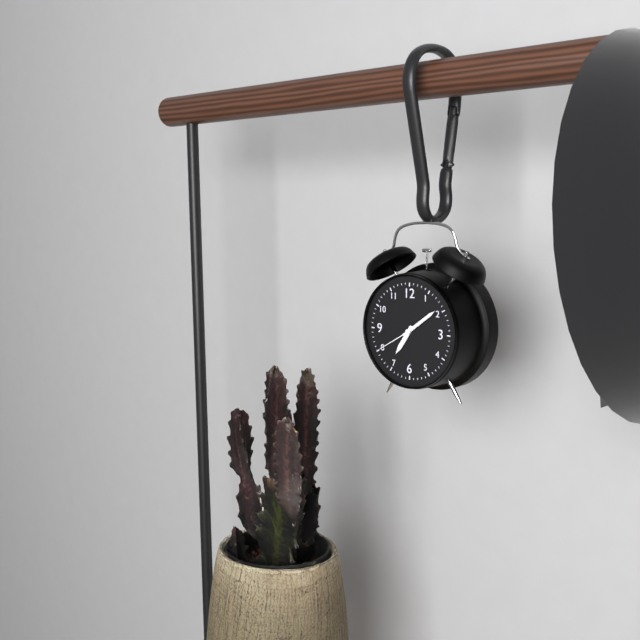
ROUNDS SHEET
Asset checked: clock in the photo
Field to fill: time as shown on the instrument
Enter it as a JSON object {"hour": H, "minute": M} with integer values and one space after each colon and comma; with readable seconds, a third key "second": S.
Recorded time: {"hour": 7, "minute": 9}
